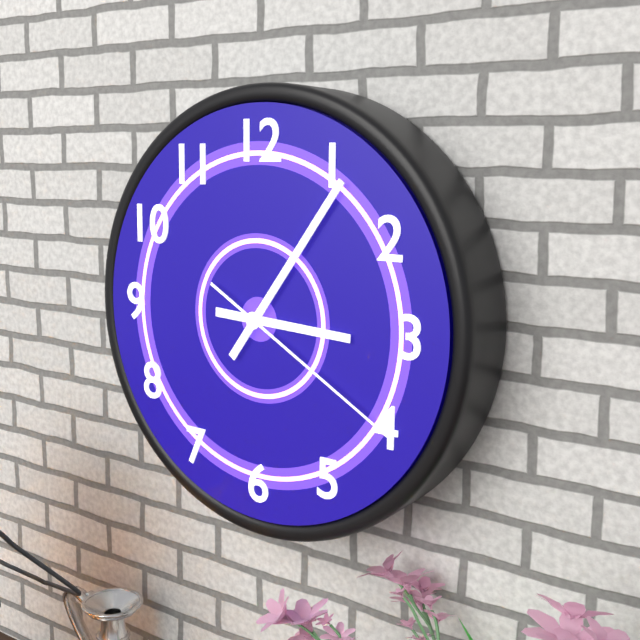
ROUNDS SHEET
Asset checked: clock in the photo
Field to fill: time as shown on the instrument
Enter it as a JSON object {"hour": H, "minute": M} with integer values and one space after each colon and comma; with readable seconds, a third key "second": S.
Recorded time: {"hour": 3, "minute": 6, "second": 20}
